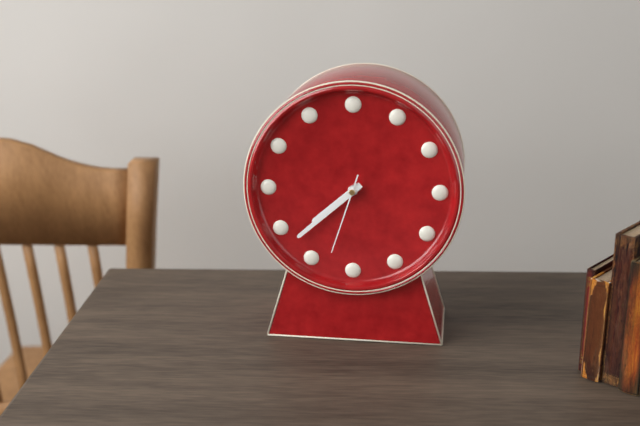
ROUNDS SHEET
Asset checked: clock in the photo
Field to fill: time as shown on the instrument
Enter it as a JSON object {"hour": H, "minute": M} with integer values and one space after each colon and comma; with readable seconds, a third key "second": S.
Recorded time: {"hour": 7, "minute": 38, "second": 33}
